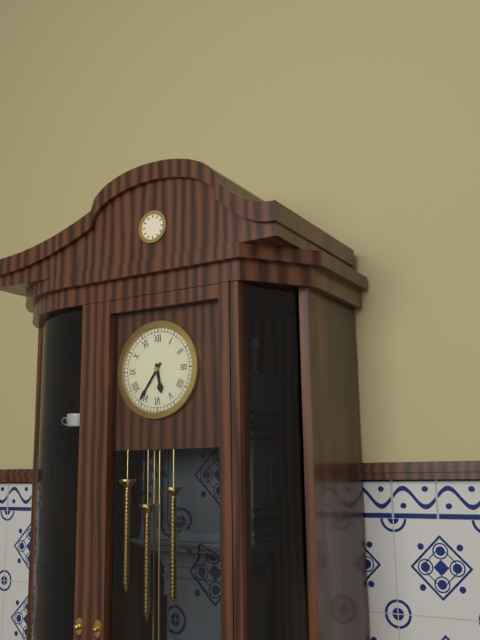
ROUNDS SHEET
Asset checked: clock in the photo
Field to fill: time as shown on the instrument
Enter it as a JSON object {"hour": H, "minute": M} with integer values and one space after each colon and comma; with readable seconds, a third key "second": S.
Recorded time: {"hour": 5, "minute": 36}
